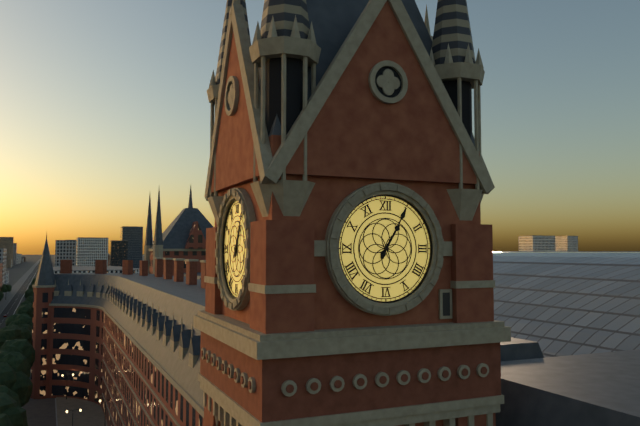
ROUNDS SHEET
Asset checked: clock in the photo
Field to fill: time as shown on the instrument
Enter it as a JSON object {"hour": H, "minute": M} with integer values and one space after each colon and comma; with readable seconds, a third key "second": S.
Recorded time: {"hour": 1, "minute": 5}
